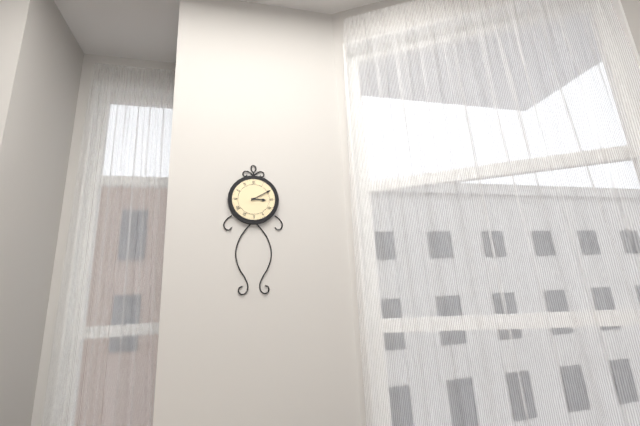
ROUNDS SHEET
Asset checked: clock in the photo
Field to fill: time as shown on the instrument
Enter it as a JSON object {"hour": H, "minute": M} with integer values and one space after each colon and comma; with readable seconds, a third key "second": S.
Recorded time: {"hour": 3, "minute": 10}
